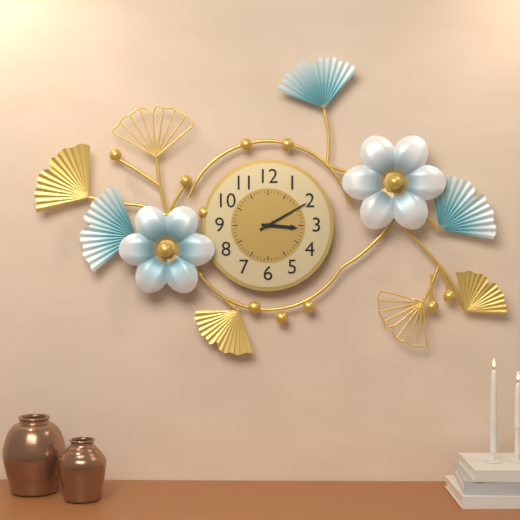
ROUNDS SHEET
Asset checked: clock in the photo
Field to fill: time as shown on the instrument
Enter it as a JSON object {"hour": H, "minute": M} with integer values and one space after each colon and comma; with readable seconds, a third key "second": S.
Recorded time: {"hour": 3, "minute": 10}
